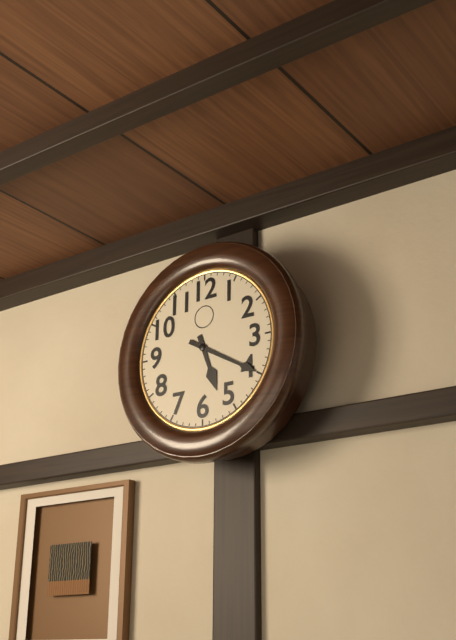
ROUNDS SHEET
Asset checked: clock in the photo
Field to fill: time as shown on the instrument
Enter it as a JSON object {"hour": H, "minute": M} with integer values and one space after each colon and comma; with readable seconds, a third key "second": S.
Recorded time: {"hour": 5, "minute": 20}
